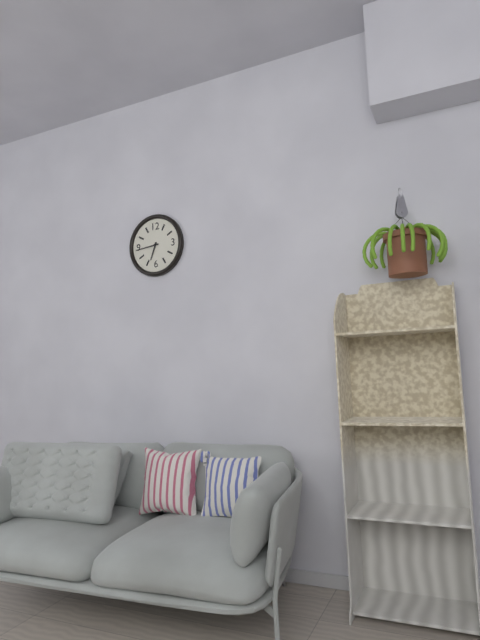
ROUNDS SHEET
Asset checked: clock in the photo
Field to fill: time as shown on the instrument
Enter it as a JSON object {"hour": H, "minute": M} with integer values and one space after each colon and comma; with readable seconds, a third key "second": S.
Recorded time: {"hour": 6, "minute": 44}
